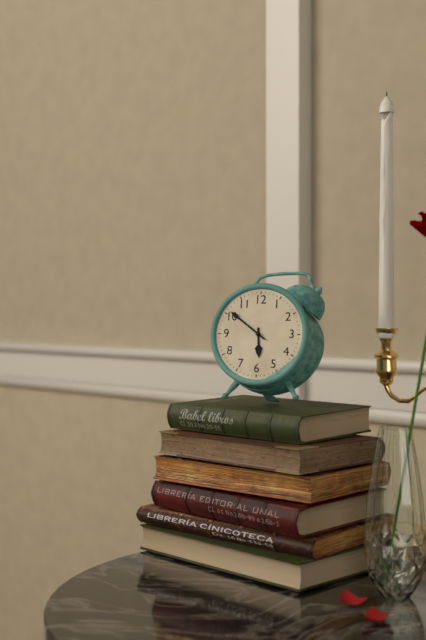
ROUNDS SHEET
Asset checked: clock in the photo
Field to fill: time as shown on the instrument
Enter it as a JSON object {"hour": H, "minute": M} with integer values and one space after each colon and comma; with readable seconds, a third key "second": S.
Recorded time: {"hour": 5, "minute": 51}
